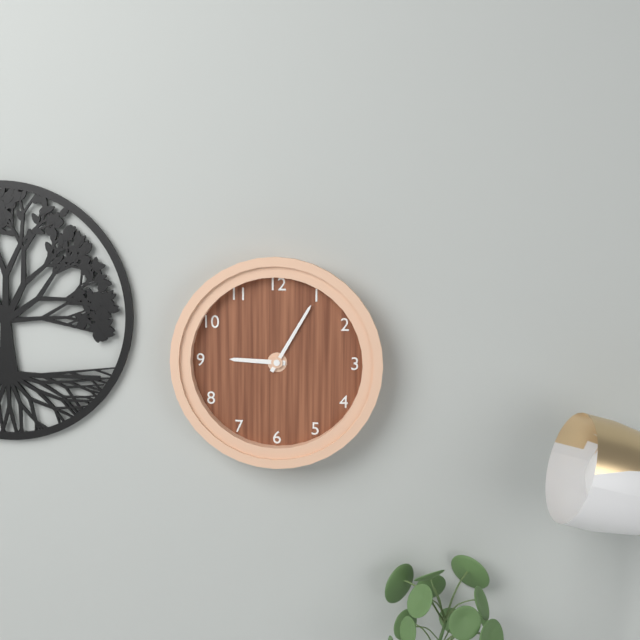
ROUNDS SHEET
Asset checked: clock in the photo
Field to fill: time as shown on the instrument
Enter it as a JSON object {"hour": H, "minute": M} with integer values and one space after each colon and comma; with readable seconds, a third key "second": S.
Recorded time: {"hour": 9, "minute": 5}
